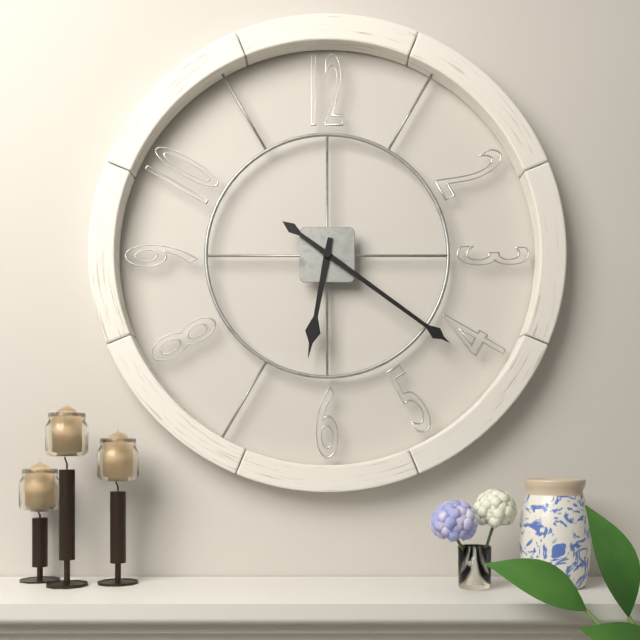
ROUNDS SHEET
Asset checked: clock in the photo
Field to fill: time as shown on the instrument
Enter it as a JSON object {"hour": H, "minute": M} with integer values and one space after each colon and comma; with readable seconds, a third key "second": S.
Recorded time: {"hour": 6, "minute": 21}
